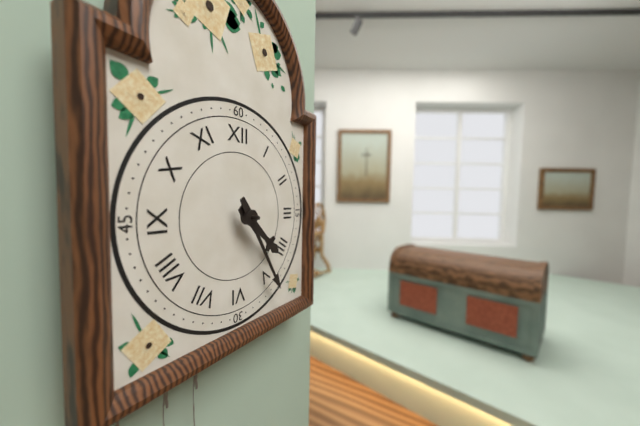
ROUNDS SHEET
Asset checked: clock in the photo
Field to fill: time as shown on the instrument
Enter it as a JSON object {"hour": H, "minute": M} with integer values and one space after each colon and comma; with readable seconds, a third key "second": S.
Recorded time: {"hour": 4, "minute": 25}
